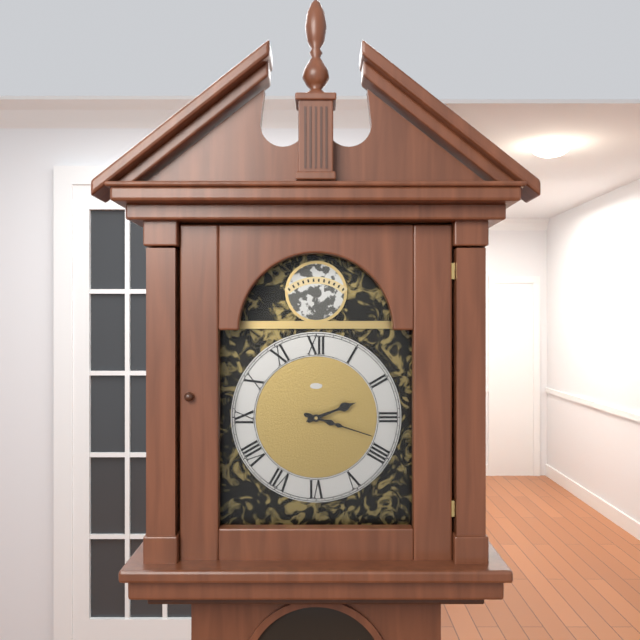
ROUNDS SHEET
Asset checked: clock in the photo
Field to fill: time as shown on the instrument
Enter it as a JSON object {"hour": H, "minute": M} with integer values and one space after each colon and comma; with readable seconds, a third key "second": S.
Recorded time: {"hour": 2, "minute": 18}
